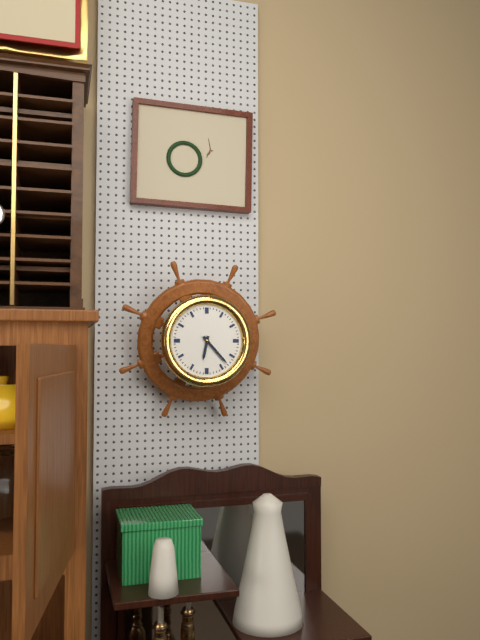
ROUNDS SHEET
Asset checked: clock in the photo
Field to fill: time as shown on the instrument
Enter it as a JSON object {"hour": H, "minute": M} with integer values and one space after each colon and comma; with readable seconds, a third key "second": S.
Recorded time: {"hour": 6, "minute": 23}
